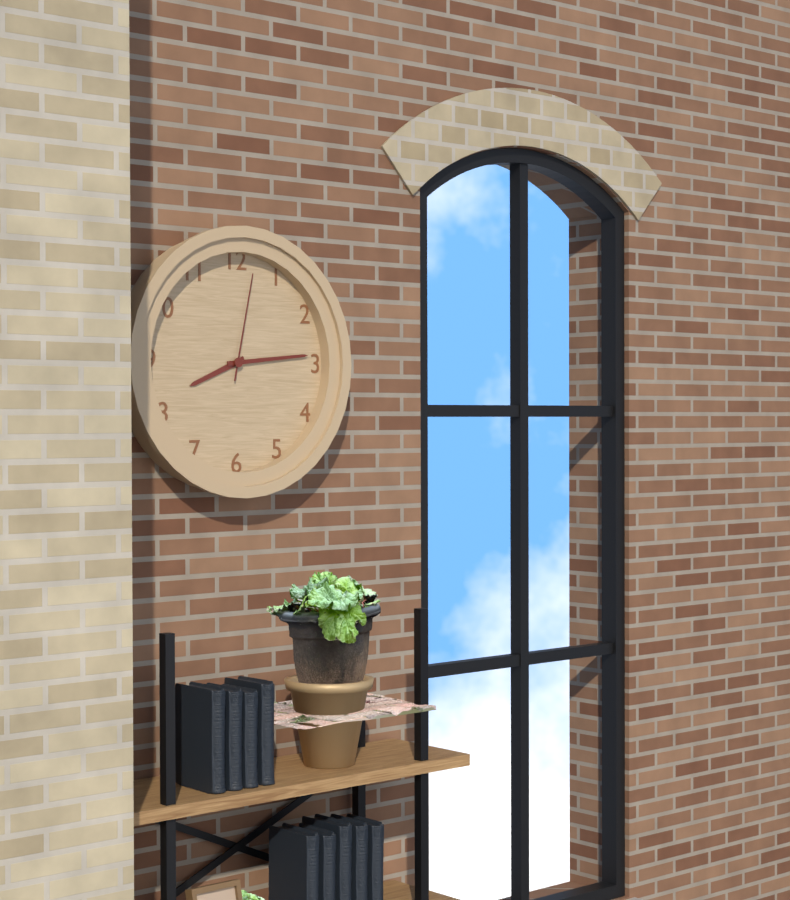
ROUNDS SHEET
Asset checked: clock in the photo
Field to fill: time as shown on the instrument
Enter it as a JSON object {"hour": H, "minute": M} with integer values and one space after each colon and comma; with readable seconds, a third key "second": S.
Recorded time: {"hour": 8, "minute": 14, "second": 2}
